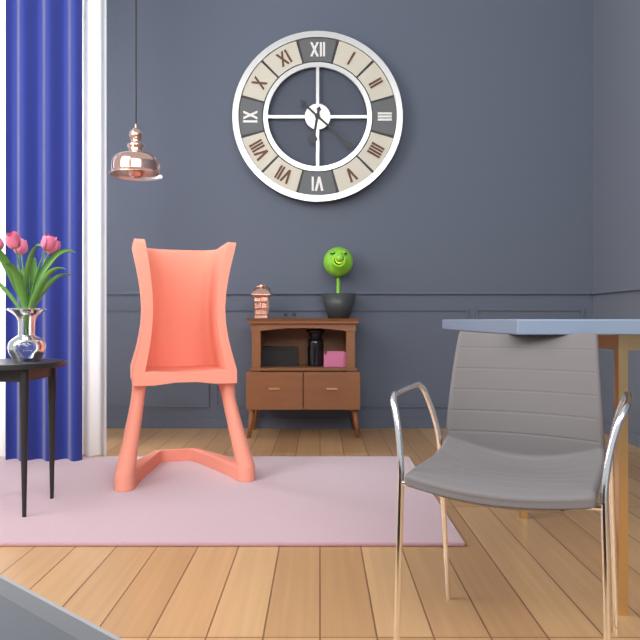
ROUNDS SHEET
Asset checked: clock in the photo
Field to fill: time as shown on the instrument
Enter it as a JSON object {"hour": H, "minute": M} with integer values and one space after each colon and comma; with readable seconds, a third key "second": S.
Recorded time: {"hour": 6, "minute": 22}
